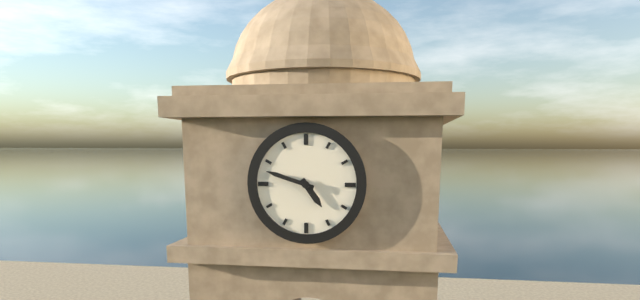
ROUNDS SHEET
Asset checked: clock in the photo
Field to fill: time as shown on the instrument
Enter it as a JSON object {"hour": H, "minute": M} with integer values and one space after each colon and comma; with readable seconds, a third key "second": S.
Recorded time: {"hour": 4, "minute": 48}
